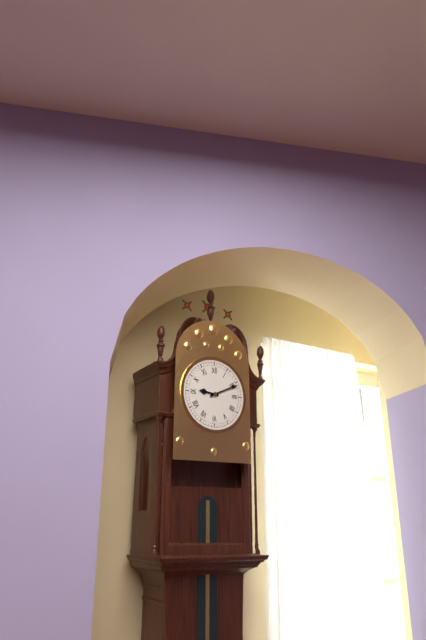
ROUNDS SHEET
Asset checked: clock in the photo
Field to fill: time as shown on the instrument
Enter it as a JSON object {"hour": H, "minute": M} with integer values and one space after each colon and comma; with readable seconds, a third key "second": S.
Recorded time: {"hour": 9, "minute": 11}
